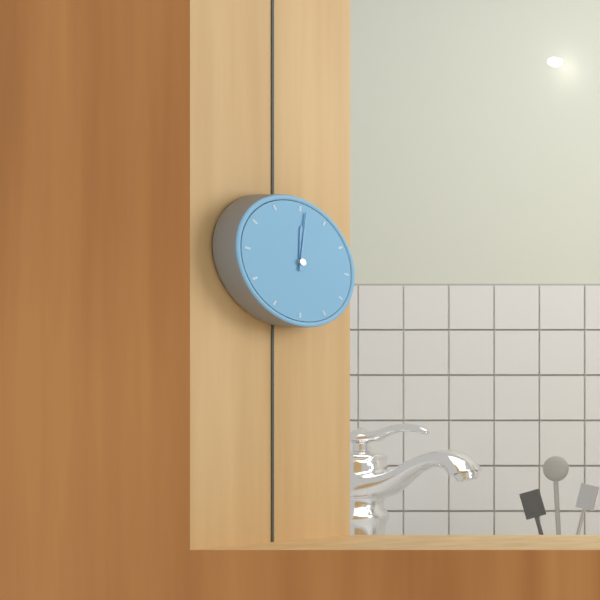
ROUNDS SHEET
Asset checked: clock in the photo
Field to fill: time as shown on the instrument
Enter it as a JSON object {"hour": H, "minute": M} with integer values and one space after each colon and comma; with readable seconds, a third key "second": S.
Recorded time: {"hour": 12, "minute": 1}
